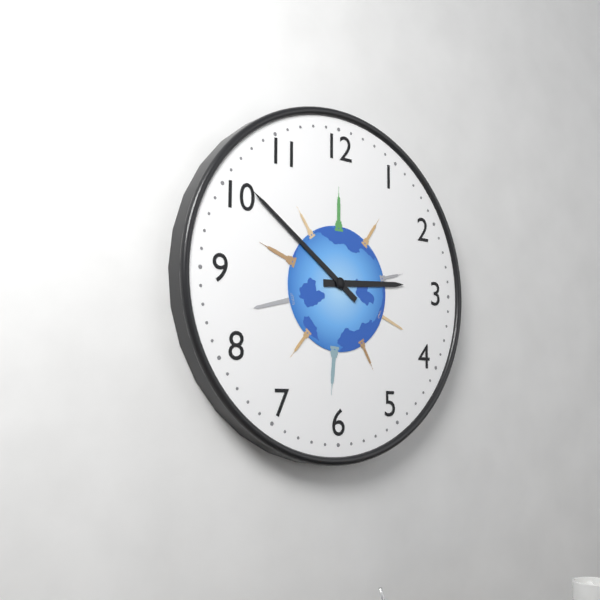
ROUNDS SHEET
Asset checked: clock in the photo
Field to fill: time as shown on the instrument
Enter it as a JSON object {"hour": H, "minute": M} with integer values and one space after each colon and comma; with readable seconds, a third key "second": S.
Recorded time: {"hour": 2, "minute": 51}
